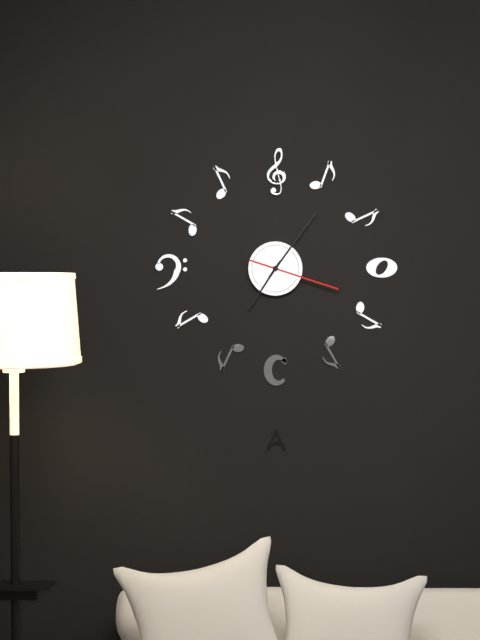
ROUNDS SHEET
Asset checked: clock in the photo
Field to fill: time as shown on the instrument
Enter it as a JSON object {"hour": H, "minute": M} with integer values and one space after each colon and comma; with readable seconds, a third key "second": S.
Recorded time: {"hour": 7, "minute": 6, "second": 18}
